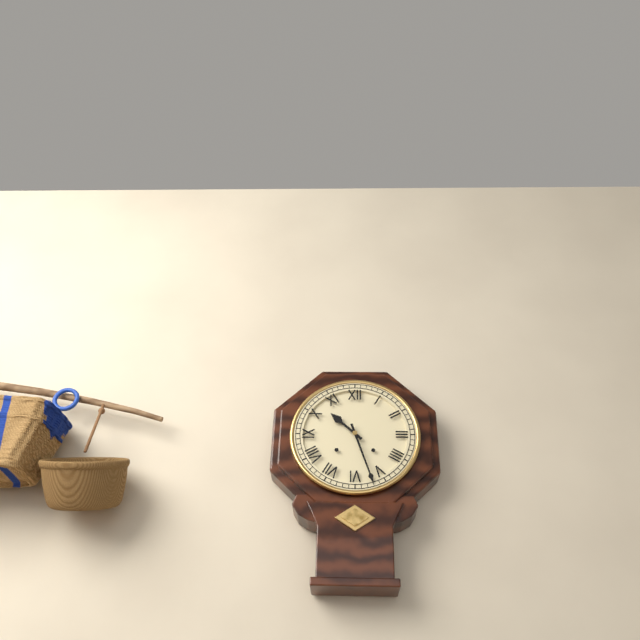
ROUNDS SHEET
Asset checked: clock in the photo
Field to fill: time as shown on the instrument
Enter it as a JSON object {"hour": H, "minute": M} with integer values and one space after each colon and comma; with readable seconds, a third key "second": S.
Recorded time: {"hour": 10, "minute": 27}
